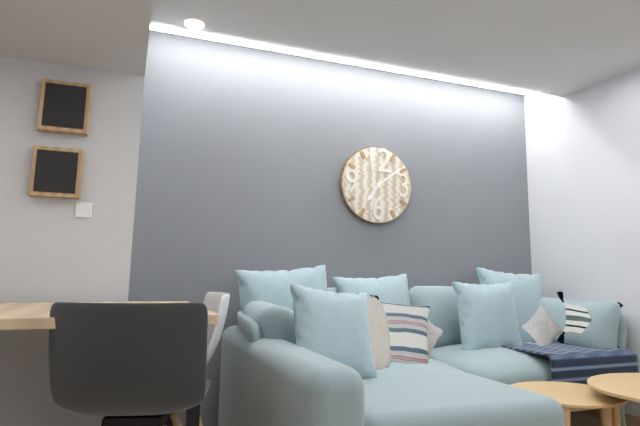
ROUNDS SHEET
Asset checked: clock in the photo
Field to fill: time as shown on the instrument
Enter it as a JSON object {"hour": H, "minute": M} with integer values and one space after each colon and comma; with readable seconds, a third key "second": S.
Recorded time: {"hour": 7, "minute": 9}
